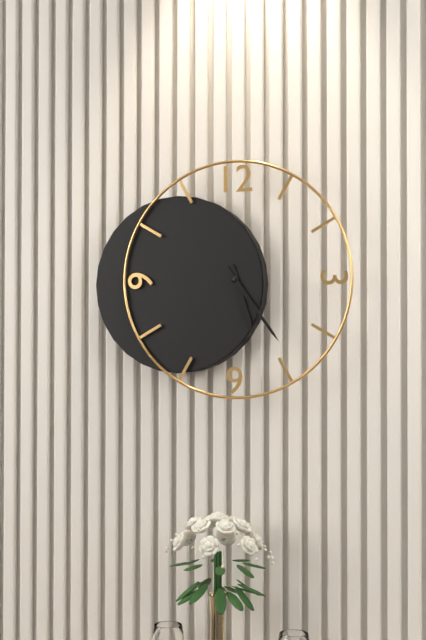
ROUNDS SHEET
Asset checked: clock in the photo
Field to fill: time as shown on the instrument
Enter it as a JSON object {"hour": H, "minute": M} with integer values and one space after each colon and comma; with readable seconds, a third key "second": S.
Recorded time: {"hour": 5, "minute": 24}
